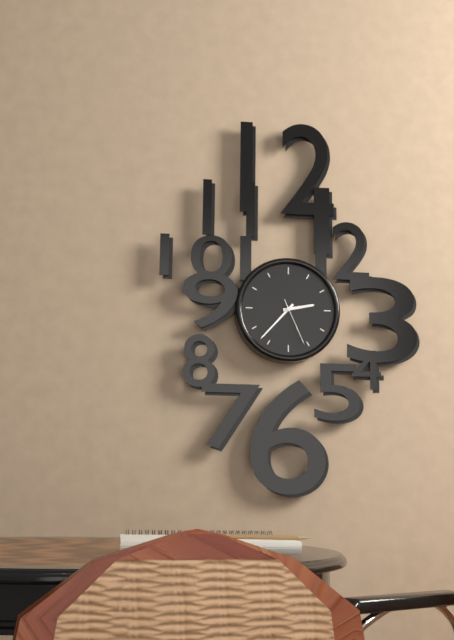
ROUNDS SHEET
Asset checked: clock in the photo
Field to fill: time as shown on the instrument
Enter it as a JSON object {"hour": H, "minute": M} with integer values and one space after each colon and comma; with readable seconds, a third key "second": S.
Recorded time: {"hour": 2, "minute": 37}
